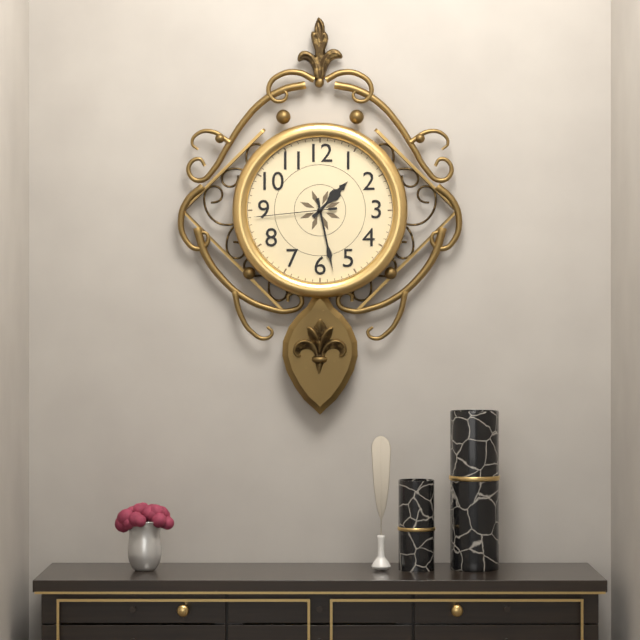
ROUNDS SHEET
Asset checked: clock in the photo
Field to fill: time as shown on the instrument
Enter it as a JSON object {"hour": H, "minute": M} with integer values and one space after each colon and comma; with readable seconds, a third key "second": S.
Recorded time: {"hour": 1, "minute": 28, "second": 44}
